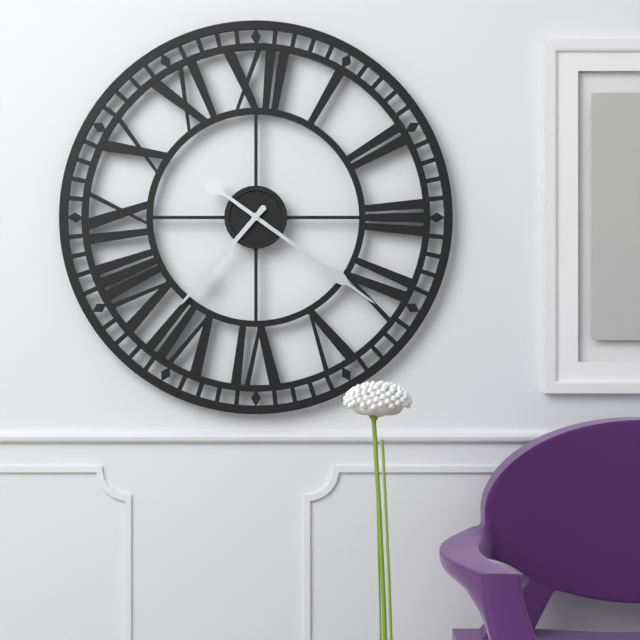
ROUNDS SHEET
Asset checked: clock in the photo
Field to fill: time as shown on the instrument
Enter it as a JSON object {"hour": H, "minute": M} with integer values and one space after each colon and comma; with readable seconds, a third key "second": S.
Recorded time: {"hour": 7, "minute": 21}
